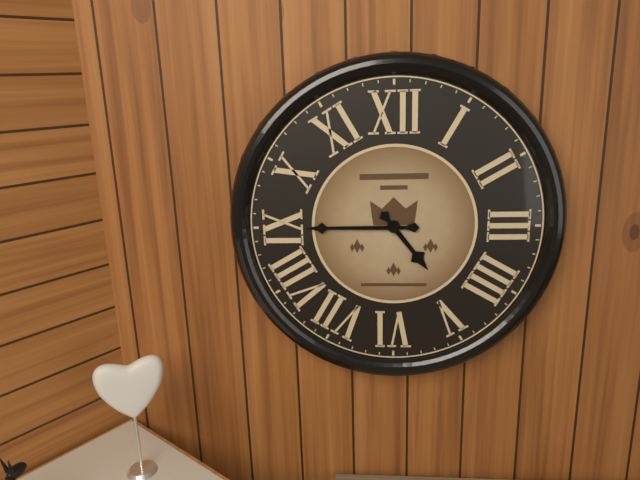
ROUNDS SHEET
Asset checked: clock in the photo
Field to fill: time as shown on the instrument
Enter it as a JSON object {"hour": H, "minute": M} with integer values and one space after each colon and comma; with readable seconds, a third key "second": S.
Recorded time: {"hour": 4, "minute": 45}
